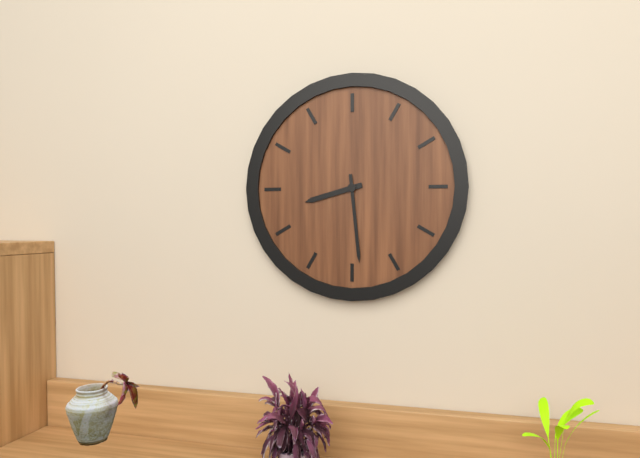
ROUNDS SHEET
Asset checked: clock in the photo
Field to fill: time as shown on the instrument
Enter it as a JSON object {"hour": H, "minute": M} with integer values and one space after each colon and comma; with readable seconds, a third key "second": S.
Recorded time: {"hour": 8, "minute": 29}
